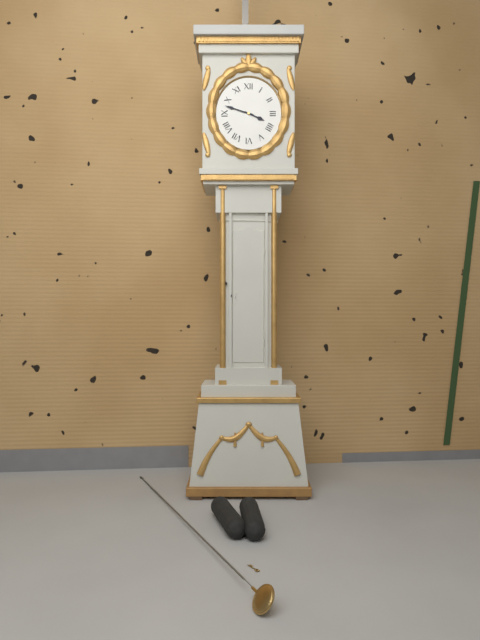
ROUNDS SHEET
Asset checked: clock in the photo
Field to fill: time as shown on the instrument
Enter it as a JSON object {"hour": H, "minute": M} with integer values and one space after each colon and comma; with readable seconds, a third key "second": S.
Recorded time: {"hour": 3, "minute": 48}
